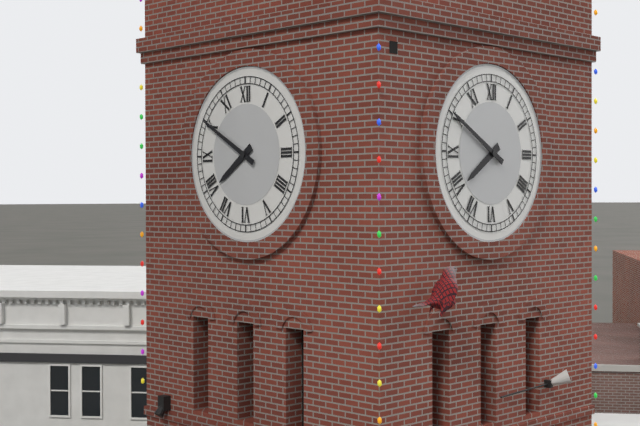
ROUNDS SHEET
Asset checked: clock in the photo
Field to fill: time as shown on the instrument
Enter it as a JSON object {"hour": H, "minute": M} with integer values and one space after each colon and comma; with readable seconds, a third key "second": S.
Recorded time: {"hour": 7, "minute": 50}
